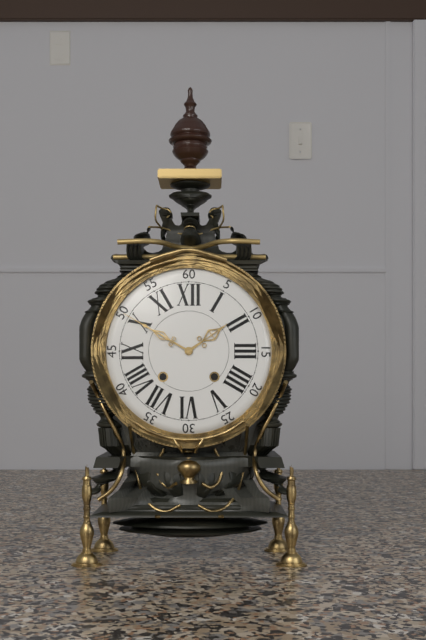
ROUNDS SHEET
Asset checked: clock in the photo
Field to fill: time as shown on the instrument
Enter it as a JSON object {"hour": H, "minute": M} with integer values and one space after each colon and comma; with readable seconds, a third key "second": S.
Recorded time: {"hour": 1, "minute": 50}
